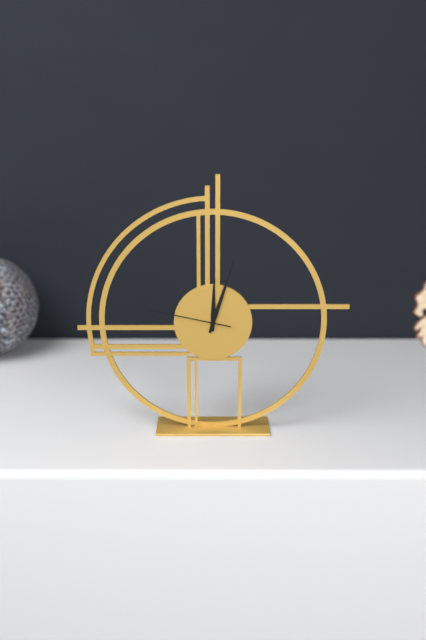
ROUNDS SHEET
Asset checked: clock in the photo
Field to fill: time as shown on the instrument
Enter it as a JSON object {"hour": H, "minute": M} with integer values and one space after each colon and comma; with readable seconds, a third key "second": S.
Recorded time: {"hour": 12, "minute": 3, "second": 47}
